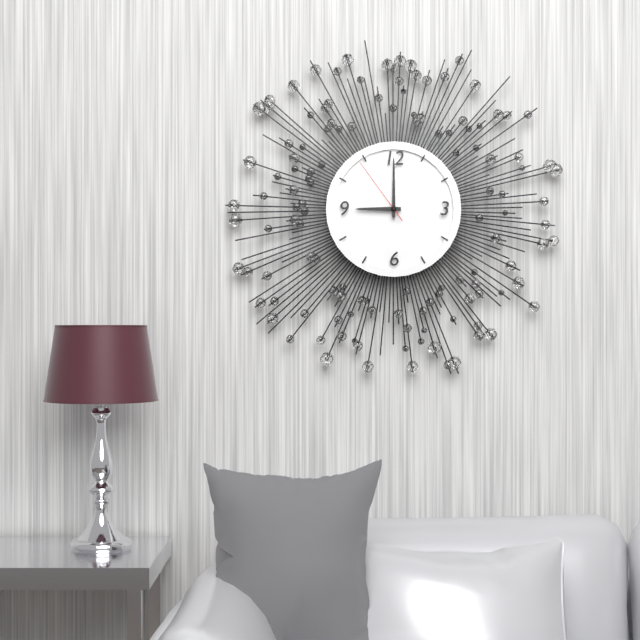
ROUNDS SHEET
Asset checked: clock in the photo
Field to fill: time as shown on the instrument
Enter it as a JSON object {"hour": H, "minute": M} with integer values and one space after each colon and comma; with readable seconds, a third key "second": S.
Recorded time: {"hour": 9, "minute": 0, "second": 54}
